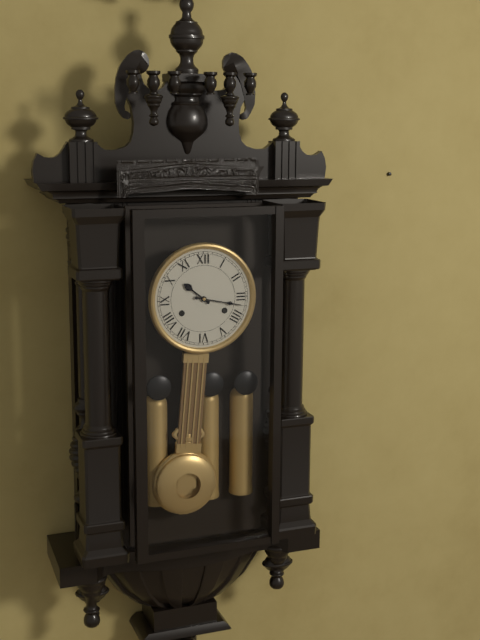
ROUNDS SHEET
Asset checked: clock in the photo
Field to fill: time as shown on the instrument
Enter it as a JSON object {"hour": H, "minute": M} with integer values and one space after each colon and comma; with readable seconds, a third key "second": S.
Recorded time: {"hour": 10, "minute": 17}
